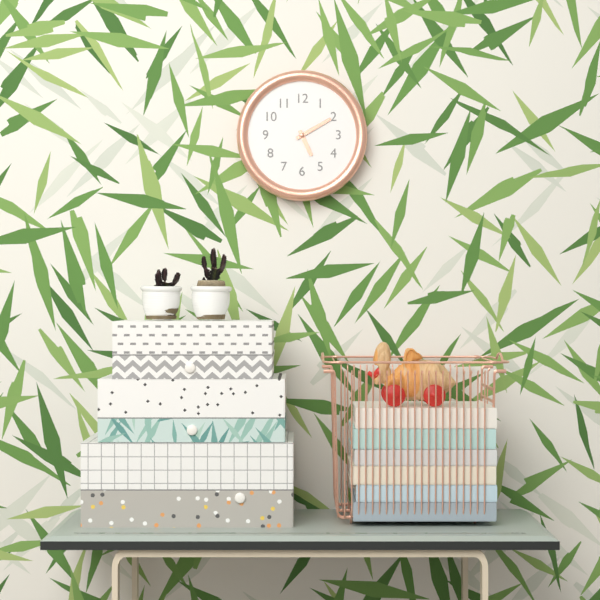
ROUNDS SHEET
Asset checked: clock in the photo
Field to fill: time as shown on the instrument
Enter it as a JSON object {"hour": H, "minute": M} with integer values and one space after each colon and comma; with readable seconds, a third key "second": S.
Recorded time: {"hour": 5, "minute": 10}
